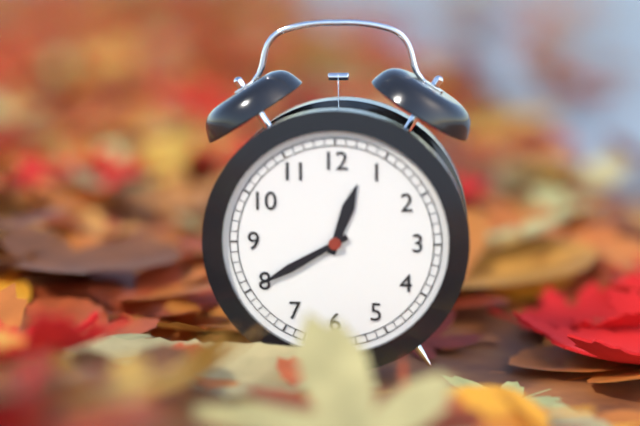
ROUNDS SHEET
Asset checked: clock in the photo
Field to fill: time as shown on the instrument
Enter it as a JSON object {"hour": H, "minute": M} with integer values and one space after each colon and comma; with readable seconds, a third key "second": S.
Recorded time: {"hour": 12, "minute": 40}
